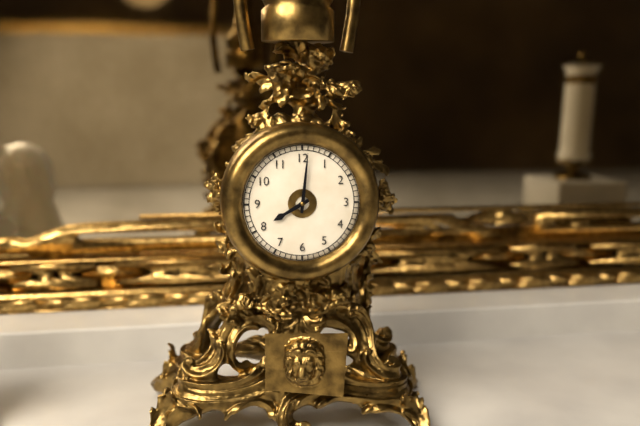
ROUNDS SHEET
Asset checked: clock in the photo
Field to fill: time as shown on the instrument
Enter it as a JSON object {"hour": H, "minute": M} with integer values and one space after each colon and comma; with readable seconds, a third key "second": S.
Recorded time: {"hour": 8, "minute": 1}
